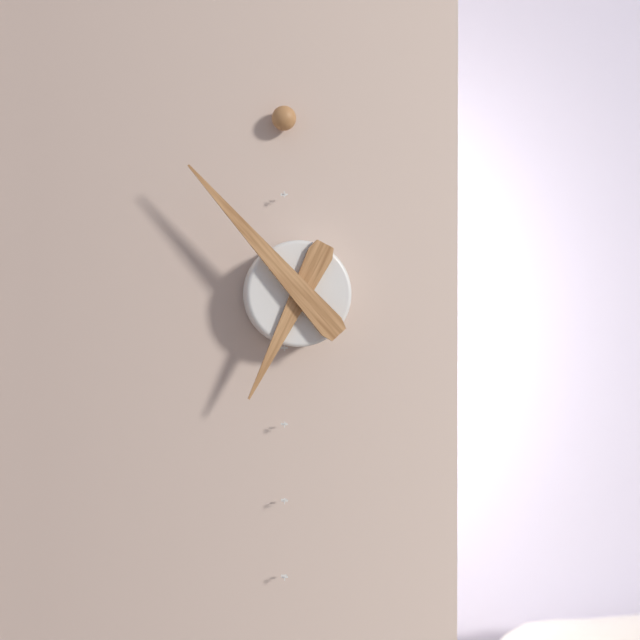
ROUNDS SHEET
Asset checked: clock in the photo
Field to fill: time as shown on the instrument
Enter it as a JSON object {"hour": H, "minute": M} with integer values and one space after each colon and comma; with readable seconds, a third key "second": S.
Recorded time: {"hour": 6, "minute": 53}
